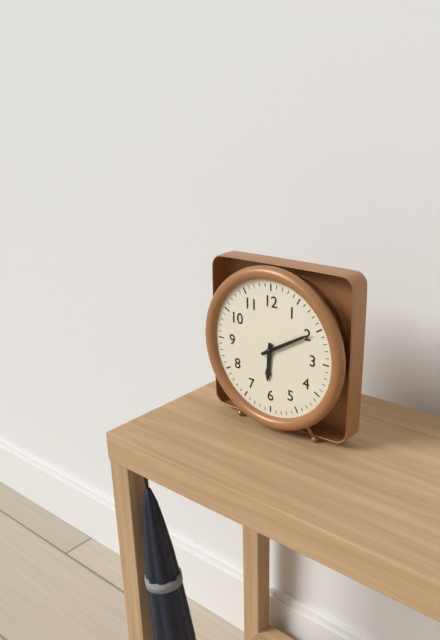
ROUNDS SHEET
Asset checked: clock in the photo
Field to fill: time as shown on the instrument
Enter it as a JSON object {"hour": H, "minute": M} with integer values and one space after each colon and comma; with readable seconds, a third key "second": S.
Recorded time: {"hour": 6, "minute": 10}
